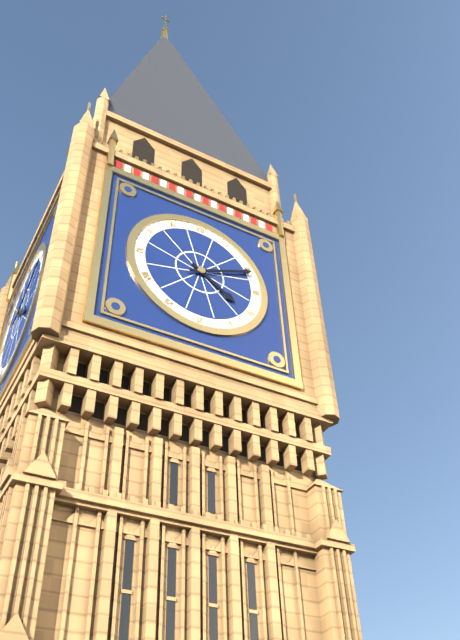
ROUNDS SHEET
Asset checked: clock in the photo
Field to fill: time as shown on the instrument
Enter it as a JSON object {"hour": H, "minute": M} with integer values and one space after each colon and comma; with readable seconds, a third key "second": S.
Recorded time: {"hour": 4, "minute": 11}
